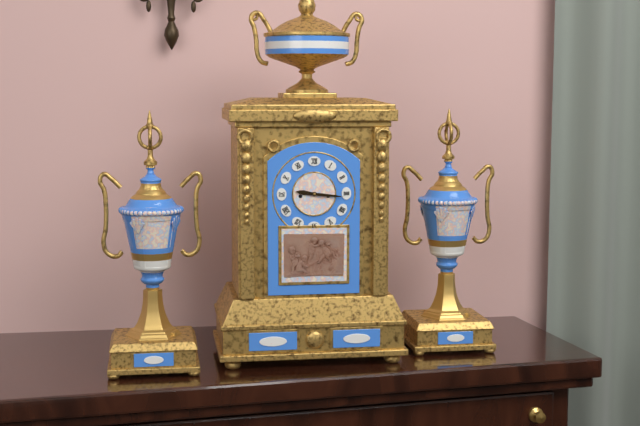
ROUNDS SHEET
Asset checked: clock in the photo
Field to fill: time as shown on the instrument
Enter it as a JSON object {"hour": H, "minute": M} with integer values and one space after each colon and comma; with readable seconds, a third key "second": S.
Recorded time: {"hour": 9, "minute": 16}
